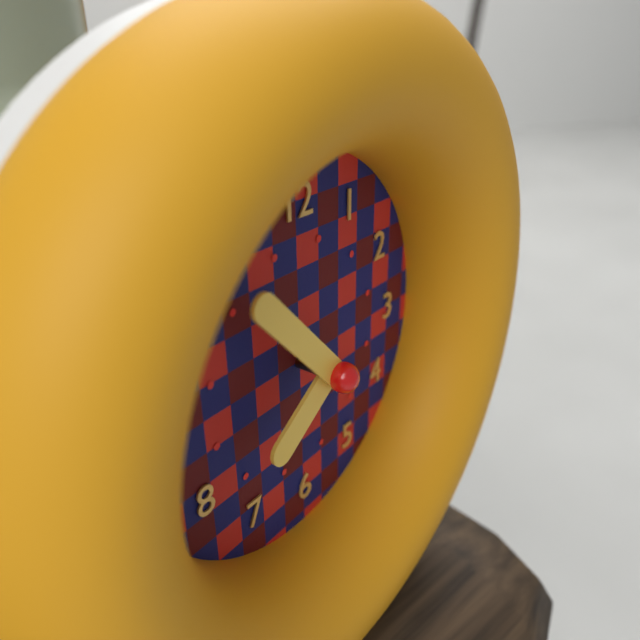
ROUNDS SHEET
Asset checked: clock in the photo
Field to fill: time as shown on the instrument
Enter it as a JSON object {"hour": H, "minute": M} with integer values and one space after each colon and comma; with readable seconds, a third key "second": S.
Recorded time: {"hour": 7, "minute": 53}
